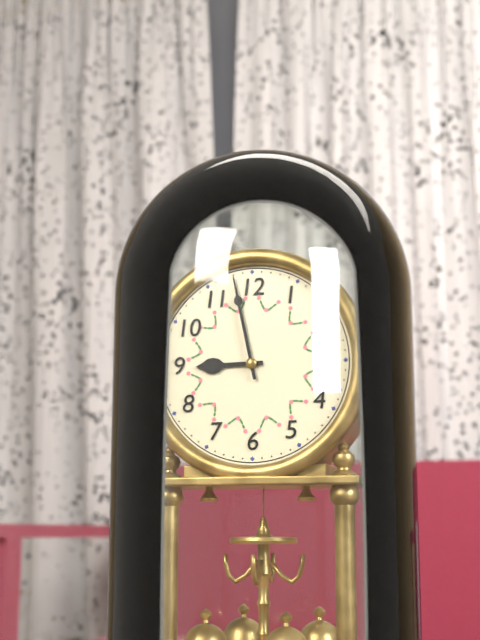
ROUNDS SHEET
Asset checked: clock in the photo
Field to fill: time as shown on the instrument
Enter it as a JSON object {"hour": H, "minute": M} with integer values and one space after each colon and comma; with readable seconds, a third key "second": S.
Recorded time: {"hour": 8, "minute": 58}
